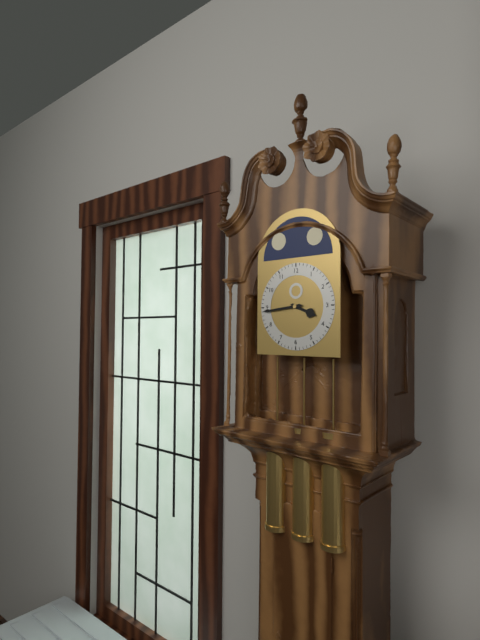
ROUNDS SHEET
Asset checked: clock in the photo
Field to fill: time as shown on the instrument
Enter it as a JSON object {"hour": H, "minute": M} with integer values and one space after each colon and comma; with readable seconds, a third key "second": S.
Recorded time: {"hour": 3, "minute": 44}
